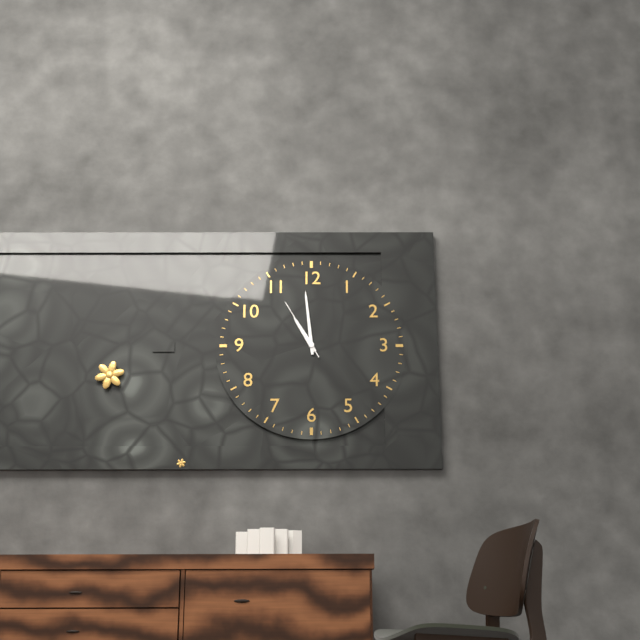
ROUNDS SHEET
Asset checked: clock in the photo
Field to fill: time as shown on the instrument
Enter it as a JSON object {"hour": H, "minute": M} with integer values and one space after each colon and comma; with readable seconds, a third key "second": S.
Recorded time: {"hour": 10, "minute": 59, "second": 55}
